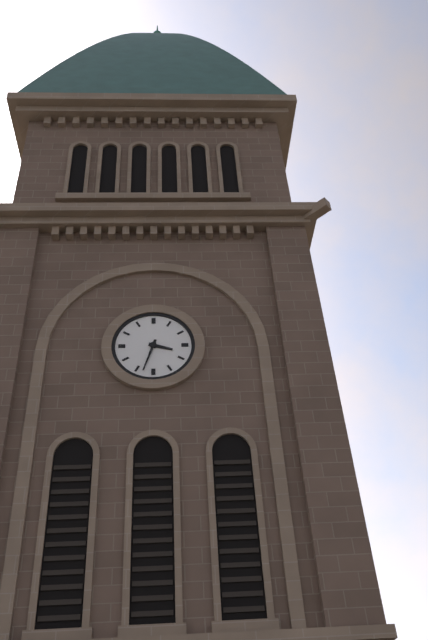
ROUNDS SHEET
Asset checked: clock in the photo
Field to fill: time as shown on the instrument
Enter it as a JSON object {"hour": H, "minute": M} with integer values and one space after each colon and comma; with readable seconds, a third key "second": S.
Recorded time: {"hour": 3, "minute": 33}
